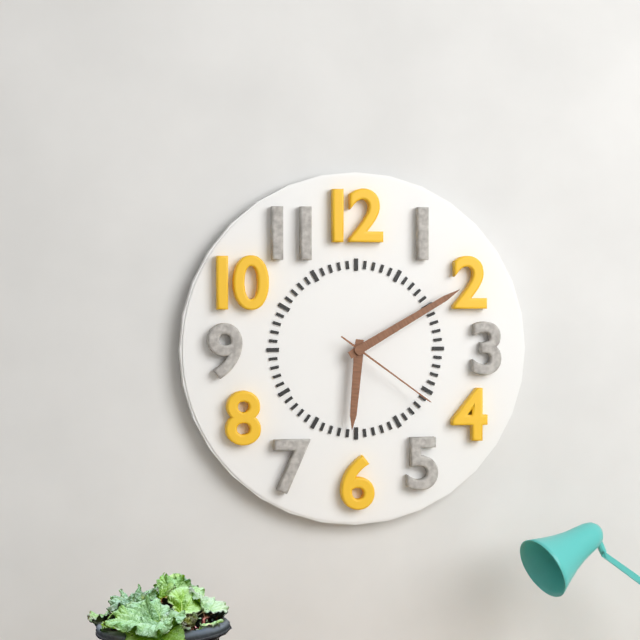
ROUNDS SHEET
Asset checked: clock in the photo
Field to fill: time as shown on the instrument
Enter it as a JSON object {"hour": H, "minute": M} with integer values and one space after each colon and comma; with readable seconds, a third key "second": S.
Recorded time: {"hour": 6, "minute": 10, "second": 21}
